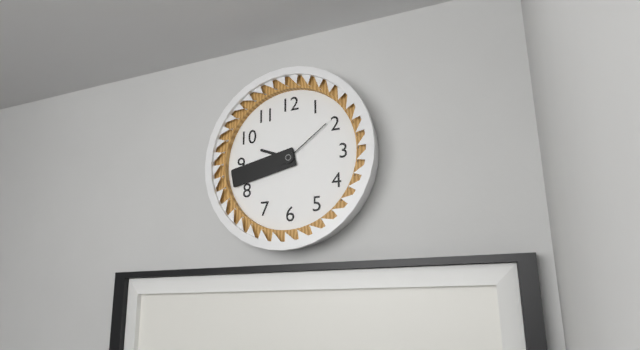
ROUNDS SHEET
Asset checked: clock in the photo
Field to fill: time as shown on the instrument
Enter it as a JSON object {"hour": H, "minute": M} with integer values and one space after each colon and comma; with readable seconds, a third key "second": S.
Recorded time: {"hour": 9, "minute": 43, "second": 9}
